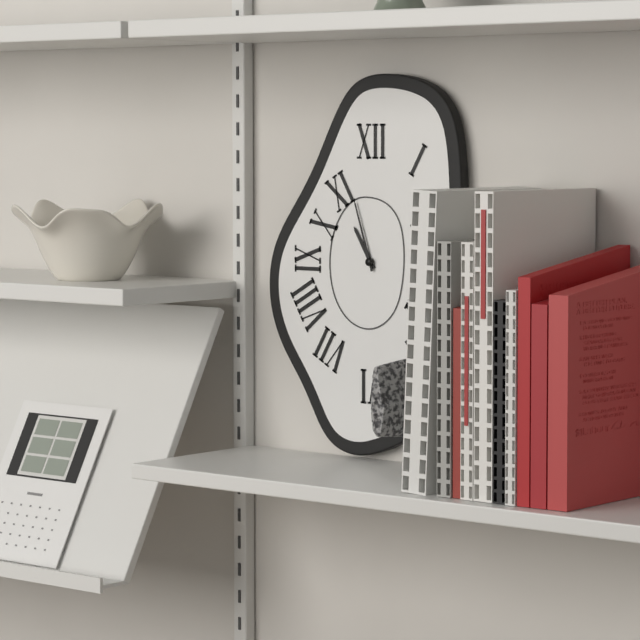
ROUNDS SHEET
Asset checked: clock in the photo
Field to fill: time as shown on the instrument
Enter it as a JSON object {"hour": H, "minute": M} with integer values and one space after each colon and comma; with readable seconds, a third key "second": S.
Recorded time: {"hour": 10, "minute": 57}
